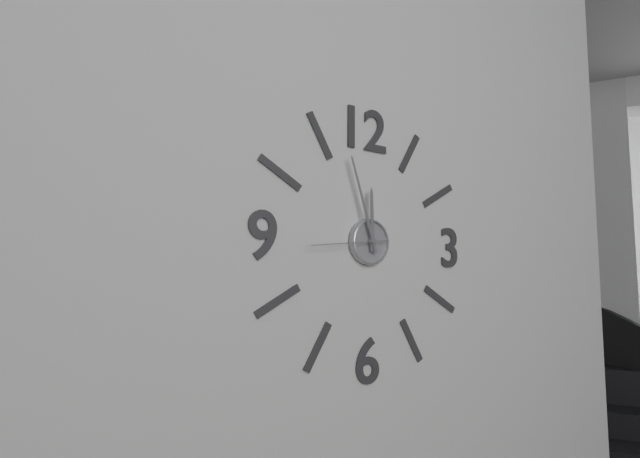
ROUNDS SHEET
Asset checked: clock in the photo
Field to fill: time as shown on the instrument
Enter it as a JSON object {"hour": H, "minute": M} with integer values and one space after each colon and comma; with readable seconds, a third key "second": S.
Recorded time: {"hour": 11, "minute": 57, "second": 44}
